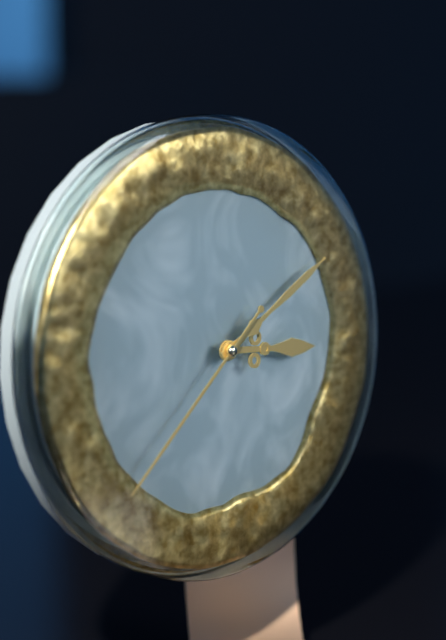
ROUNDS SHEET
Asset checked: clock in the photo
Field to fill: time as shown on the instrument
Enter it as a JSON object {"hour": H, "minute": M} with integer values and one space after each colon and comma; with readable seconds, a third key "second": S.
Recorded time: {"hour": 3, "minute": 10, "second": 38}
